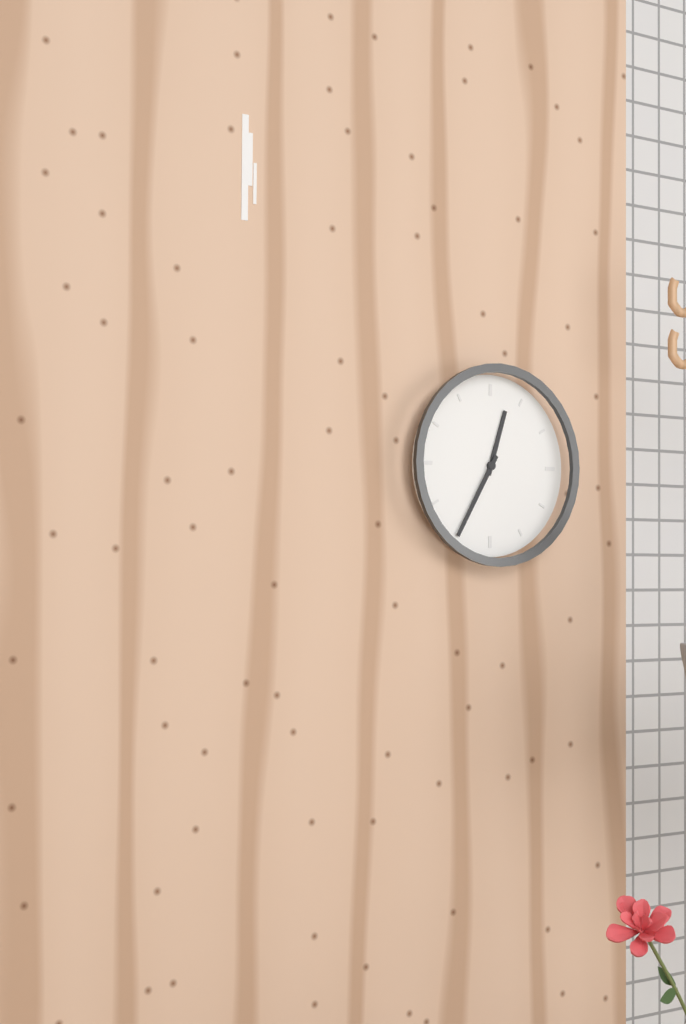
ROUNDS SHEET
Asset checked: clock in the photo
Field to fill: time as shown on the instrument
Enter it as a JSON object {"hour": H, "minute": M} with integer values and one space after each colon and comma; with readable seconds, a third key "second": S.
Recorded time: {"hour": 12, "minute": 35}
